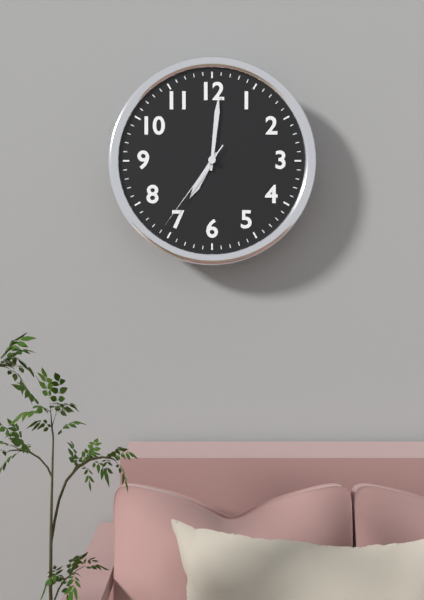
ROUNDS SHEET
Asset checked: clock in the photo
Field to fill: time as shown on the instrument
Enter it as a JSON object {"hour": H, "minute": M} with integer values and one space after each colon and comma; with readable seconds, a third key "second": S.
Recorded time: {"hour": 7, "minute": 1, "second": 36}
